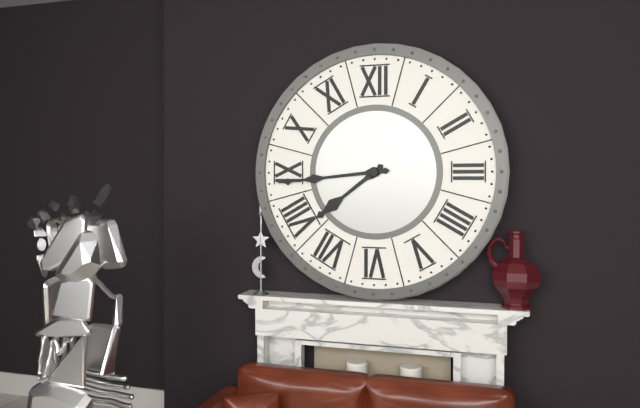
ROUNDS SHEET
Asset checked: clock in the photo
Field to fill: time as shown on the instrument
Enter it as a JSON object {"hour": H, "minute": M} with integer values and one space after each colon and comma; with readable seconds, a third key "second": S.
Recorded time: {"hour": 7, "minute": 44}
